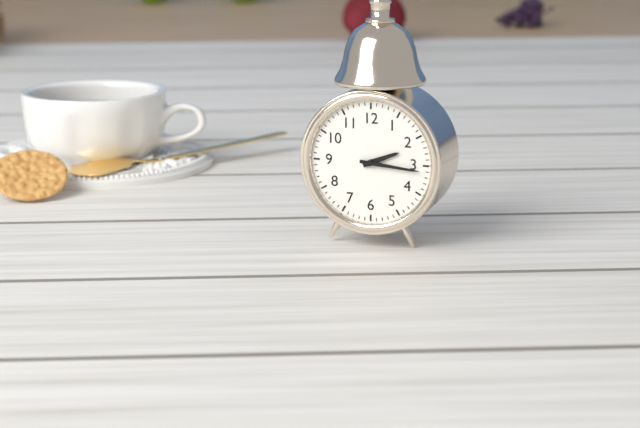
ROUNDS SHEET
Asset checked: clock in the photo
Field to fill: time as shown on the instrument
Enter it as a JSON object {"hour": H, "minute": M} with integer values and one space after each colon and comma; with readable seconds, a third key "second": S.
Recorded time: {"hour": 2, "minute": 16}
